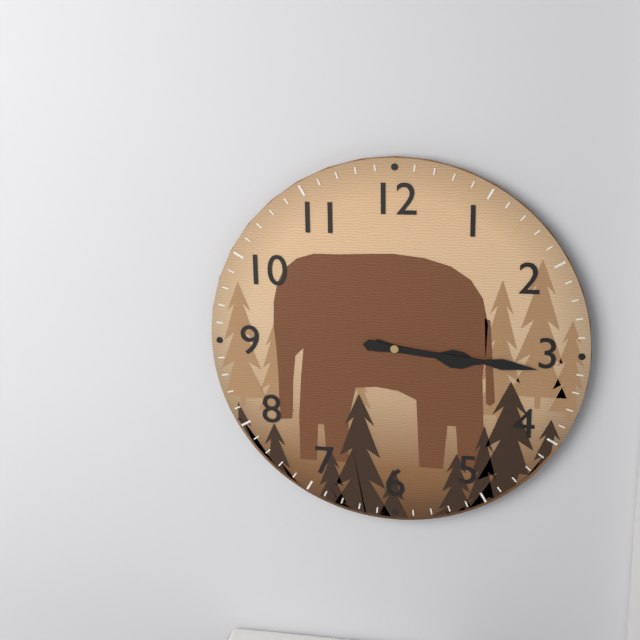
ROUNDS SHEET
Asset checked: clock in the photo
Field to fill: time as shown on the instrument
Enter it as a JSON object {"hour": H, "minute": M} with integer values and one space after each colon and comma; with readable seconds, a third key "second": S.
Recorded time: {"hour": 3, "minute": 16}
